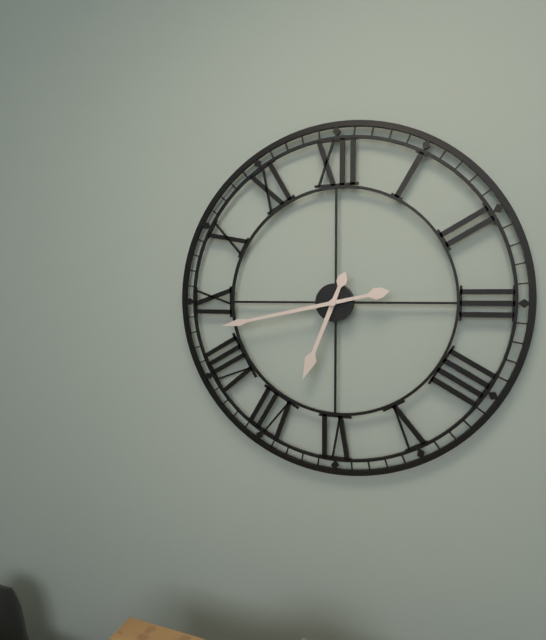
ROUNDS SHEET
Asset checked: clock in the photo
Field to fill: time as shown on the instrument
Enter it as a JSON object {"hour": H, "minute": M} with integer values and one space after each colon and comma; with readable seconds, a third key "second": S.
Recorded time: {"hour": 6, "minute": 43}
